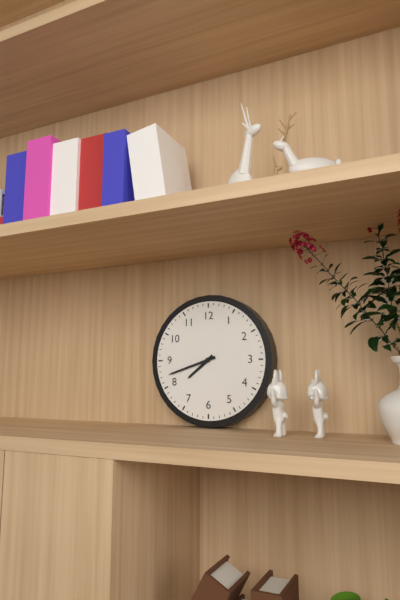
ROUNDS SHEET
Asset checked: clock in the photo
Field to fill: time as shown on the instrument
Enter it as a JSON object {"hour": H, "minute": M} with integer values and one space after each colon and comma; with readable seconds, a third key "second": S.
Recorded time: {"hour": 7, "minute": 42}
